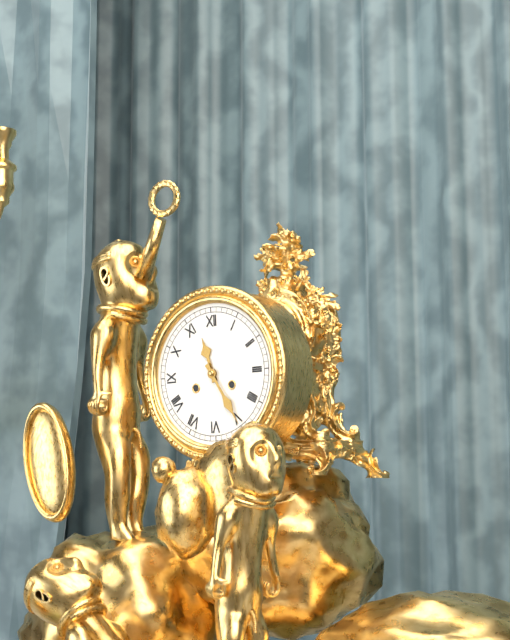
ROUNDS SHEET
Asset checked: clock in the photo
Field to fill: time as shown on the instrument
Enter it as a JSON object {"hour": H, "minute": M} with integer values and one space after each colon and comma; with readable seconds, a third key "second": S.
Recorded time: {"hour": 11, "minute": 25}
